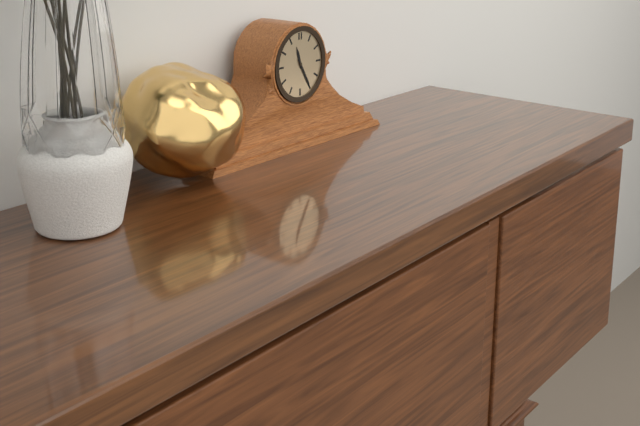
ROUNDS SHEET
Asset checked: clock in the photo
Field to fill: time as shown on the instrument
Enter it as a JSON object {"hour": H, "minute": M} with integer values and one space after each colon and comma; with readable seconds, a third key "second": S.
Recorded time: {"hour": 11, "minute": 25}
